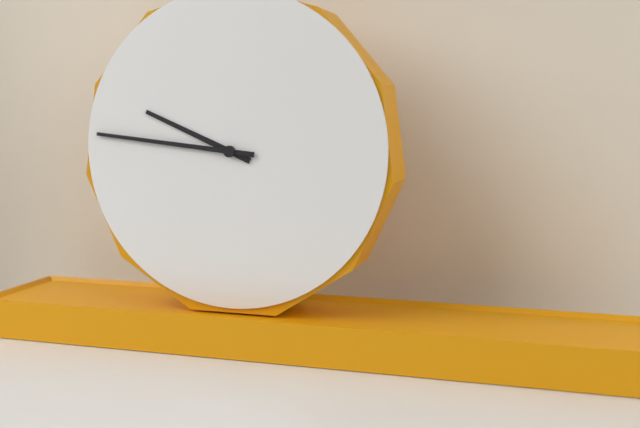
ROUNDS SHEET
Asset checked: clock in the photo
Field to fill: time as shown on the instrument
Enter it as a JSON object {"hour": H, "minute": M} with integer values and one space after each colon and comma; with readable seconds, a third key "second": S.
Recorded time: {"hour": 9, "minute": 46}
